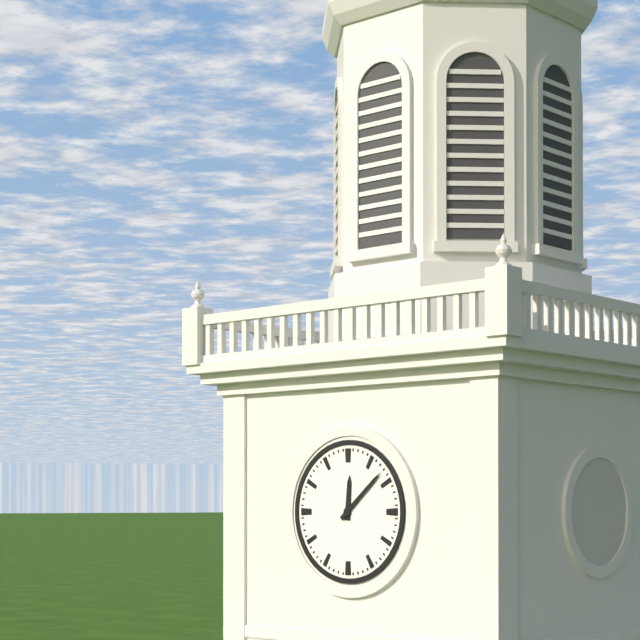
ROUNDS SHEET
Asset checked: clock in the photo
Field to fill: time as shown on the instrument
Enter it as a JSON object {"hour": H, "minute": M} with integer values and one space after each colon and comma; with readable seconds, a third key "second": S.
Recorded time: {"hour": 12, "minute": 8}
